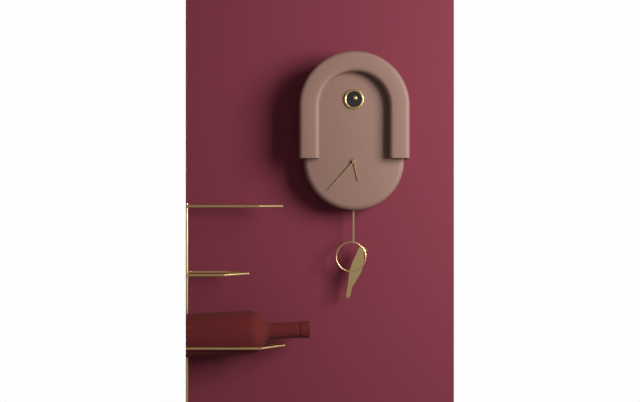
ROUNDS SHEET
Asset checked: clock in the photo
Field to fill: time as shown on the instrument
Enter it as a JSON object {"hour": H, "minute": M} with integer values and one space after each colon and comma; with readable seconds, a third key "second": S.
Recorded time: {"hour": 5, "minute": 37}
